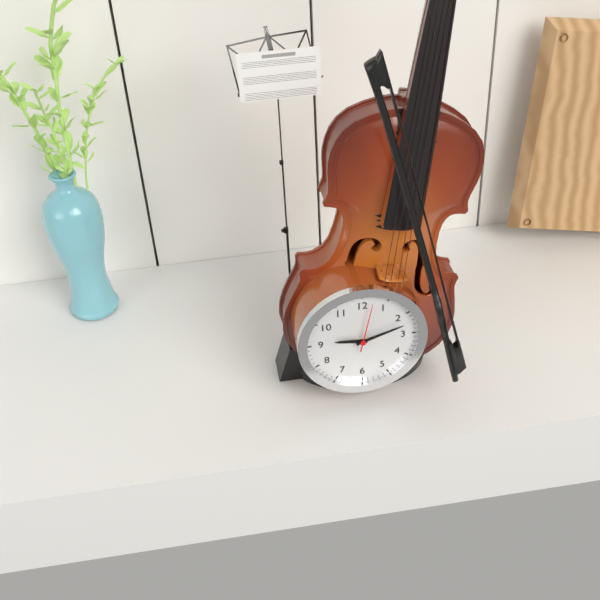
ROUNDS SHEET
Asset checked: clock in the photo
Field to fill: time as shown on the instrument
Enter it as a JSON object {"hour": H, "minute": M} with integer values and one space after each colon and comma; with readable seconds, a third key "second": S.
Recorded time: {"hour": 9, "minute": 12, "second": 2}
